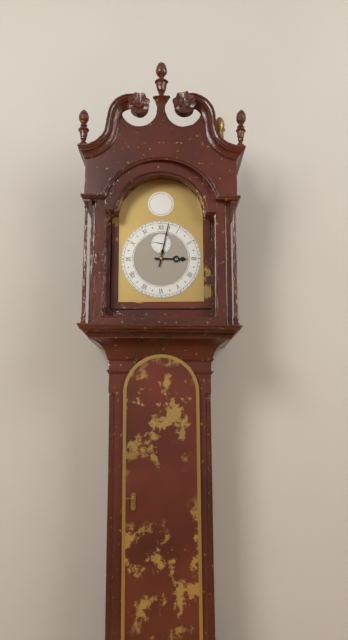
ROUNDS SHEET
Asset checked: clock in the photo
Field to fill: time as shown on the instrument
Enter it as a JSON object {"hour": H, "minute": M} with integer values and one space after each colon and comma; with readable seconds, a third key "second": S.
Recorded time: {"hour": 3, "minute": 2}
